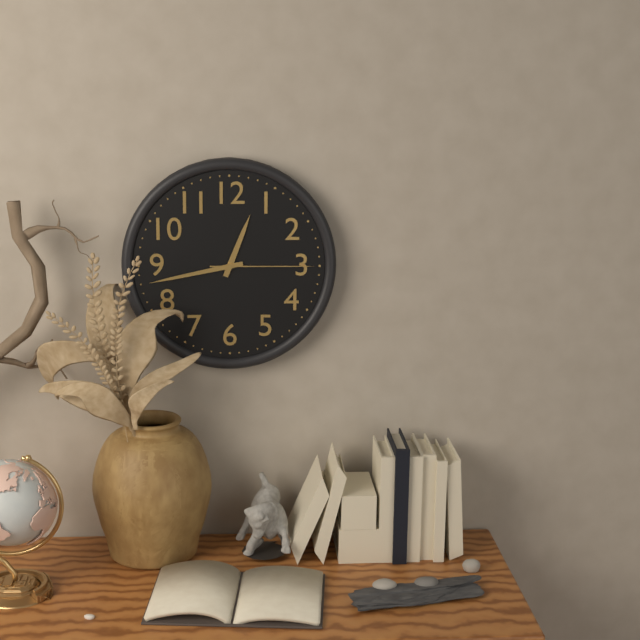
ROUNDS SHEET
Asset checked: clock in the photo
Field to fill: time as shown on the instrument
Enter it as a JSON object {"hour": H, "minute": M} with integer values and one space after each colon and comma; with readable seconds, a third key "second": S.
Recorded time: {"hour": 12, "minute": 43, "second": 15}
